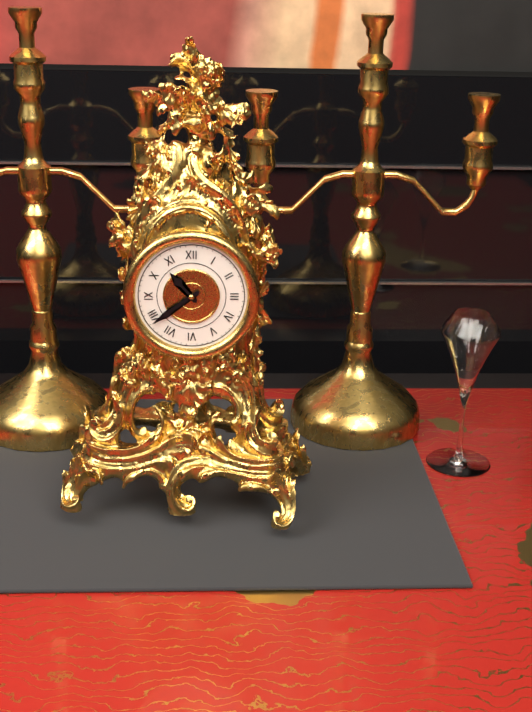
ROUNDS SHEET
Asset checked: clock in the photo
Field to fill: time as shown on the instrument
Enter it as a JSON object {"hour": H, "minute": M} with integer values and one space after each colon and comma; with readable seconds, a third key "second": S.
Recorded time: {"hour": 10, "minute": 39}
